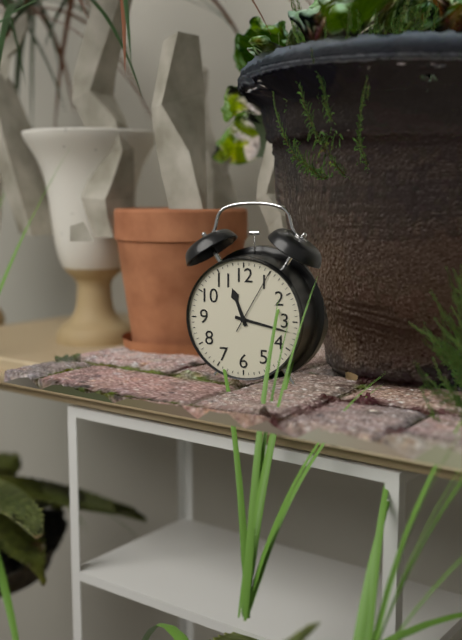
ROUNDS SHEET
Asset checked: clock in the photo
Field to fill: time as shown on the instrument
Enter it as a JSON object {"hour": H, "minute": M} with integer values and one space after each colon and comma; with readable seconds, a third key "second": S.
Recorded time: {"hour": 11, "minute": 17, "second": 5}
